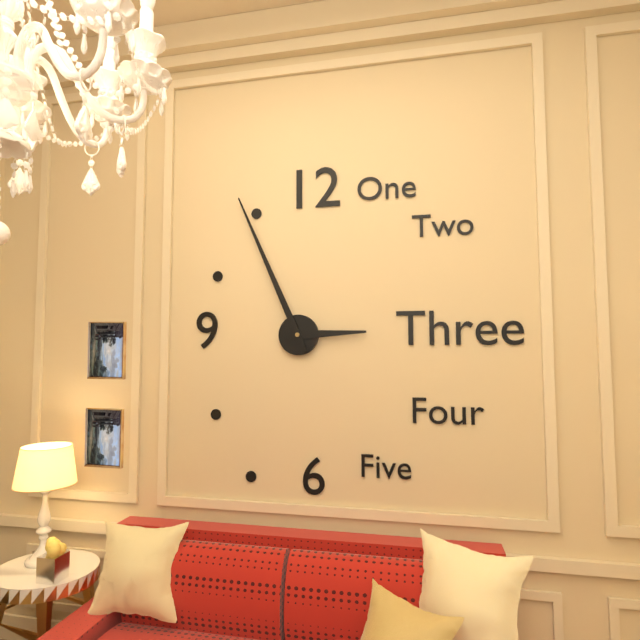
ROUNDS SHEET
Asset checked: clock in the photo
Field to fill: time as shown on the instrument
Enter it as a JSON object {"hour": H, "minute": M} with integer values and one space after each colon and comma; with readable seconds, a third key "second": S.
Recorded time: {"hour": 2, "minute": 56}
